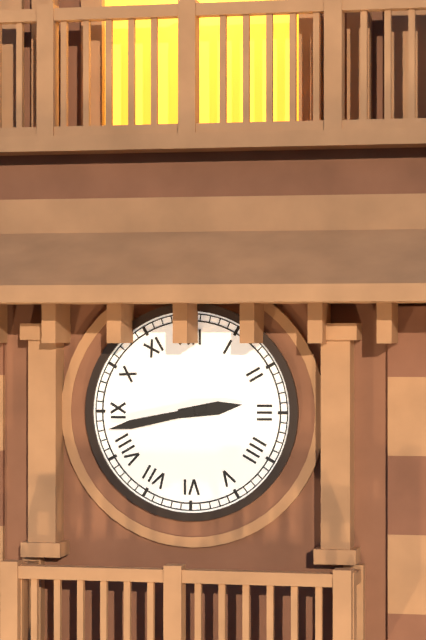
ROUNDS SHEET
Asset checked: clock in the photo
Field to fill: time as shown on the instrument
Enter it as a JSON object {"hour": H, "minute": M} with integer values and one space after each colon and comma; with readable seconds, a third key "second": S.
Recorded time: {"hour": 2, "minute": 43}
